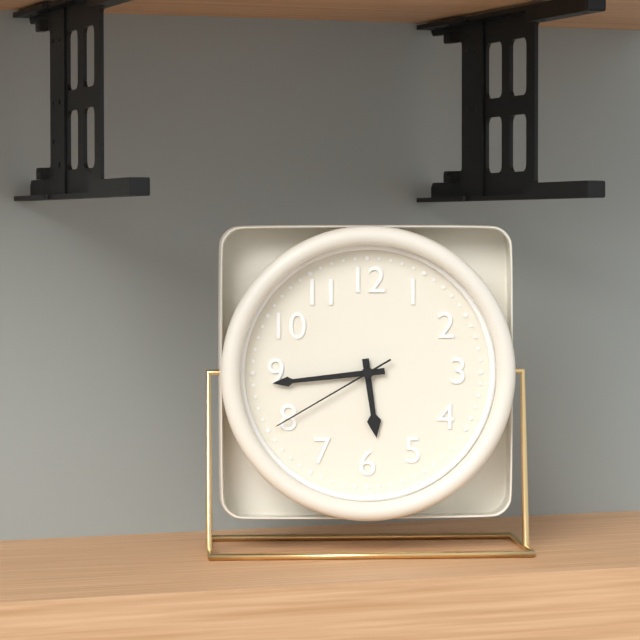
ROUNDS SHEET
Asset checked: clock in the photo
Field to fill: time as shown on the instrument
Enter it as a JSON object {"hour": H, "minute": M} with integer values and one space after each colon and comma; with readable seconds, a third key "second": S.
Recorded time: {"hour": 5, "minute": 44, "second": 40}
